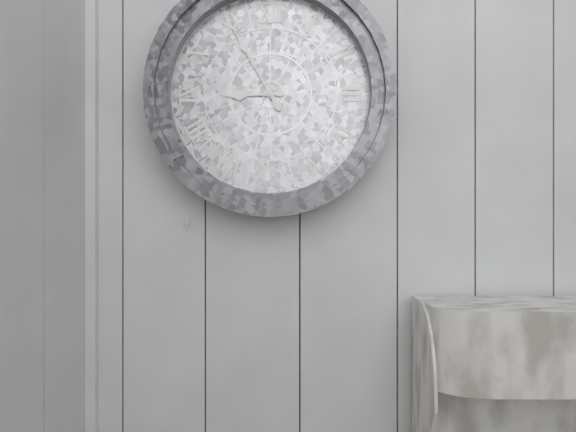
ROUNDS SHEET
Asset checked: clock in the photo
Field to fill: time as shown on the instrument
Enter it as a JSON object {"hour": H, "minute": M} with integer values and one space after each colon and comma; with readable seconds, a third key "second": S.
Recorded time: {"hour": 8, "minute": 55}
